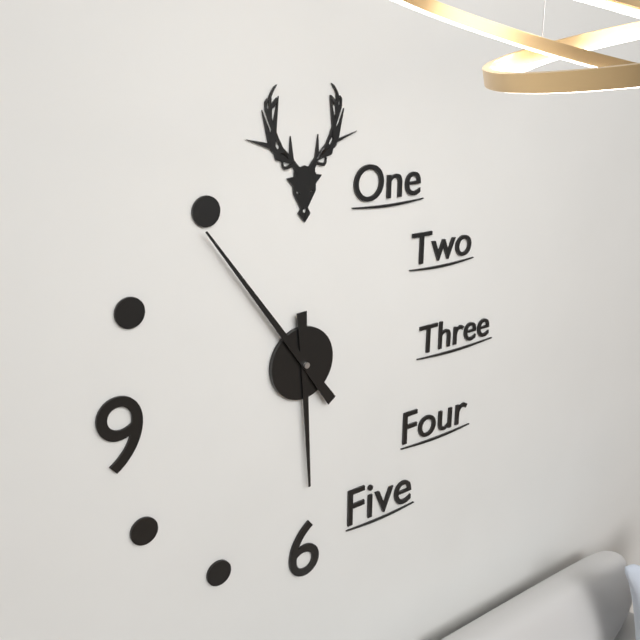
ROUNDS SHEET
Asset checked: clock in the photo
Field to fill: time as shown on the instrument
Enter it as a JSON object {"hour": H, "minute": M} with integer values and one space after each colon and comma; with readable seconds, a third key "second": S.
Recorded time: {"hour": 5, "minute": 54}
